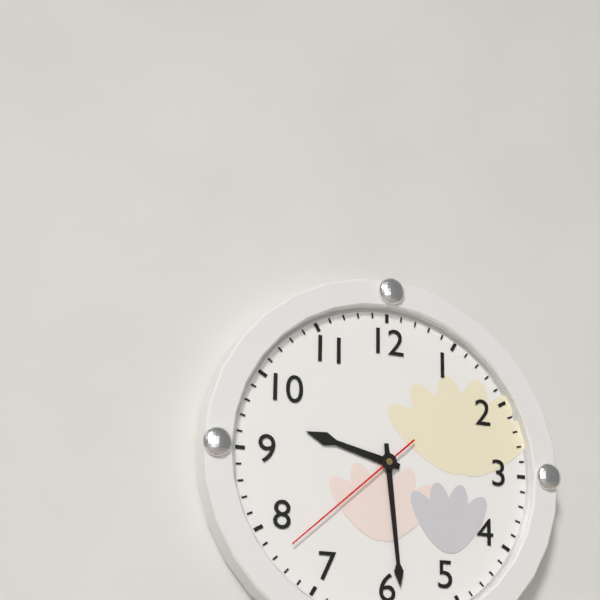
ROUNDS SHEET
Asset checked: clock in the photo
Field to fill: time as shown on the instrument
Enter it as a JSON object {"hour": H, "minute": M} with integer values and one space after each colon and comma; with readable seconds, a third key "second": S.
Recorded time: {"hour": 9, "minute": 29, "second": 38}
